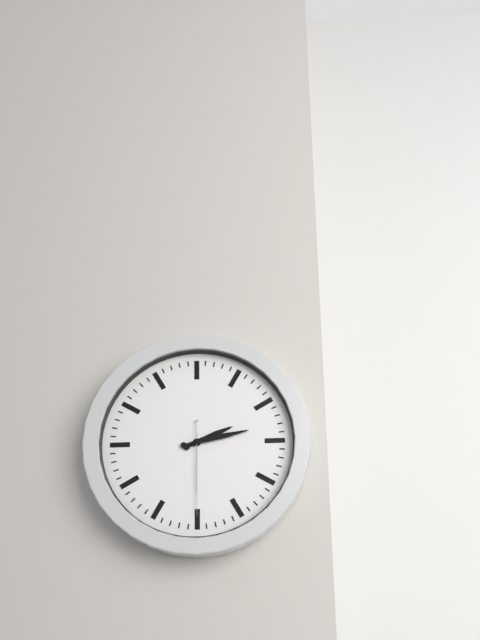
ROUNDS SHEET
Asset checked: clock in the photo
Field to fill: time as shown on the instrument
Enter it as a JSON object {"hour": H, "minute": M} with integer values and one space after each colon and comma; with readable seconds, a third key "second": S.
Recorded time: {"hour": 2, "minute": 13, "second": 30}
